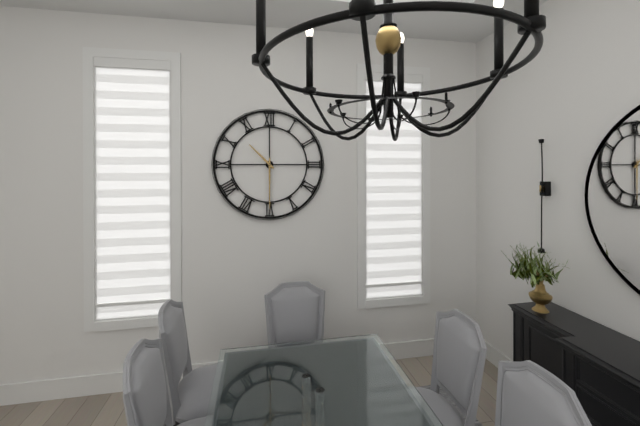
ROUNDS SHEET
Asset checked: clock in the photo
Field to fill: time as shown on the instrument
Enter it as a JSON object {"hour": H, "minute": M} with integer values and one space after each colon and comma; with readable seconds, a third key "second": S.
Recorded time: {"hour": 10, "minute": 30}
